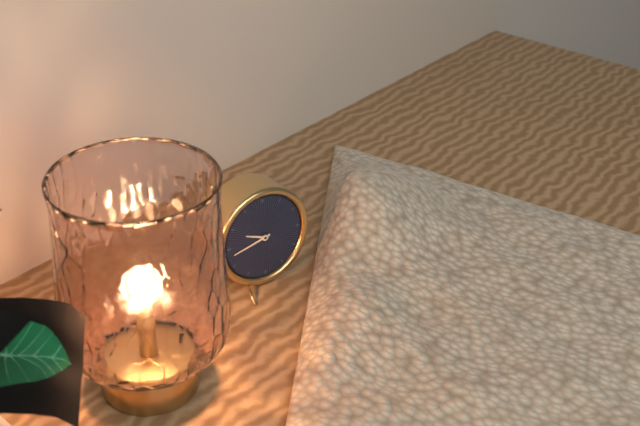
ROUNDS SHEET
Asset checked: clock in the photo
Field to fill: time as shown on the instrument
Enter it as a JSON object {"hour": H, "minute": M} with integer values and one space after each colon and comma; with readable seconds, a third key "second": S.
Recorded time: {"hour": 9, "minute": 43}
